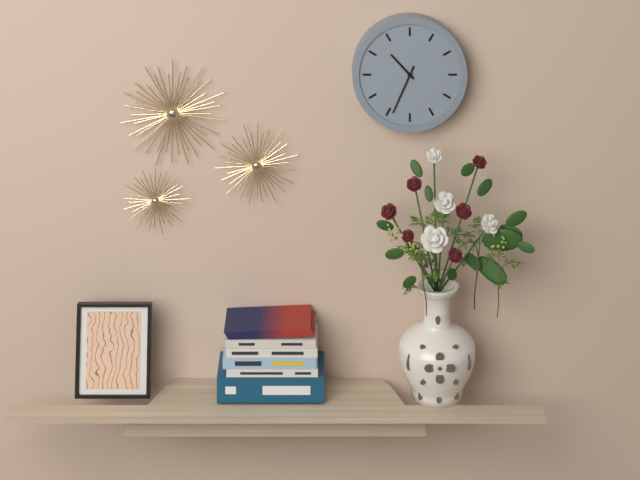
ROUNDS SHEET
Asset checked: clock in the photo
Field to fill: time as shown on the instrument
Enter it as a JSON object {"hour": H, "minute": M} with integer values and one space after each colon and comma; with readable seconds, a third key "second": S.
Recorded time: {"hour": 10, "minute": 34}
